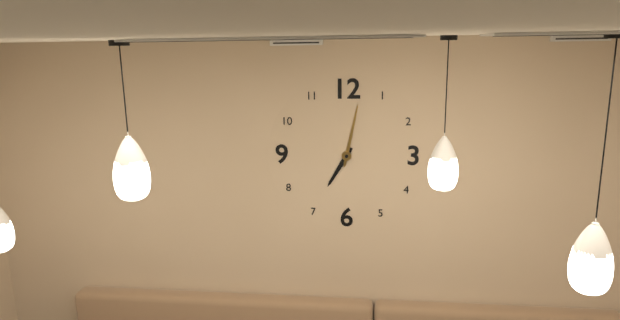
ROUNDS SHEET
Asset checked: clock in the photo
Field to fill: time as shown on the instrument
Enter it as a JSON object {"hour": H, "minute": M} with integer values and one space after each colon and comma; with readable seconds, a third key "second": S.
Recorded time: {"hour": 7, "minute": 2}
